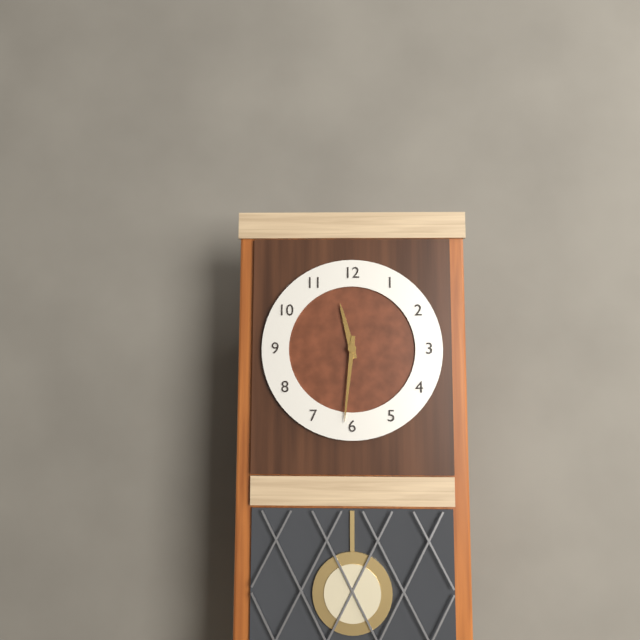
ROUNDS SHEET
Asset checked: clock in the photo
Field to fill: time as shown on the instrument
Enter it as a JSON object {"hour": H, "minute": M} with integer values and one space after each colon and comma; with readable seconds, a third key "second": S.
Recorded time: {"hour": 11, "minute": 31}
